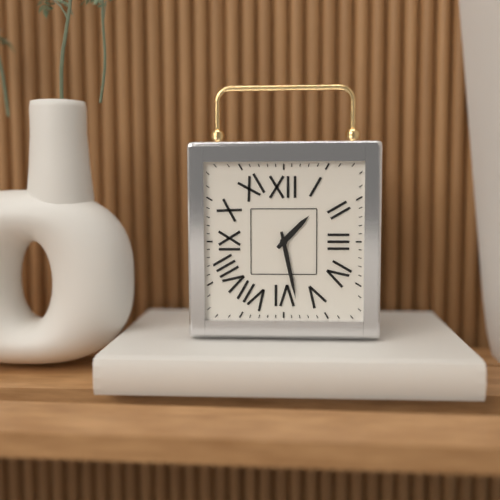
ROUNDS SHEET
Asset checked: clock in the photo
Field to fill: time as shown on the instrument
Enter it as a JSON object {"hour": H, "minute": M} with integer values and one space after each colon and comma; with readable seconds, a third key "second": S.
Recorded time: {"hour": 1, "minute": 28}
